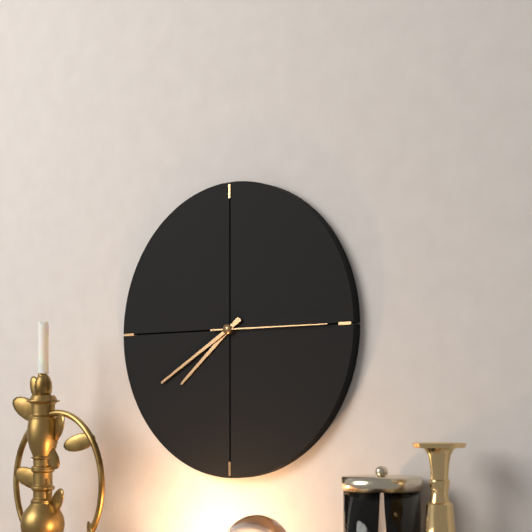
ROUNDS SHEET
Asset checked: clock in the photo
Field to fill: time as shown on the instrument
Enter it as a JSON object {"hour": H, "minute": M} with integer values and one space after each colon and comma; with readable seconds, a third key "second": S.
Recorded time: {"hour": 7, "minute": 40, "second": 15}
